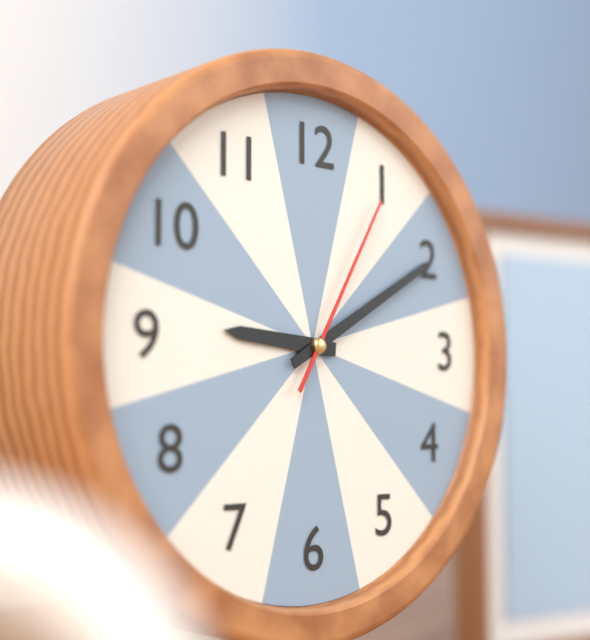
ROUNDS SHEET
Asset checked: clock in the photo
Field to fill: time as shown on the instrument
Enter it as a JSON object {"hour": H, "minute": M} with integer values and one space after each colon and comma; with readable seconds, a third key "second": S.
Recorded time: {"hour": 9, "minute": 10, "second": 5}
